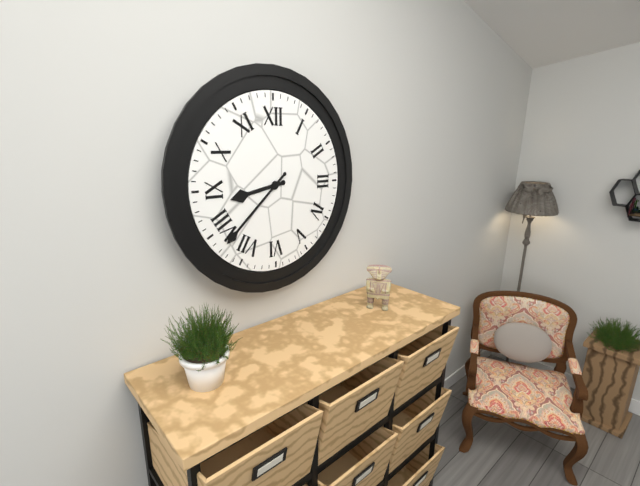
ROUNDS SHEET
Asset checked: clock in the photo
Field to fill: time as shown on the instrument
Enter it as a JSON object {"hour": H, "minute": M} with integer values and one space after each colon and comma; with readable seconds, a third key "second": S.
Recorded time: {"hour": 8, "minute": 38}
